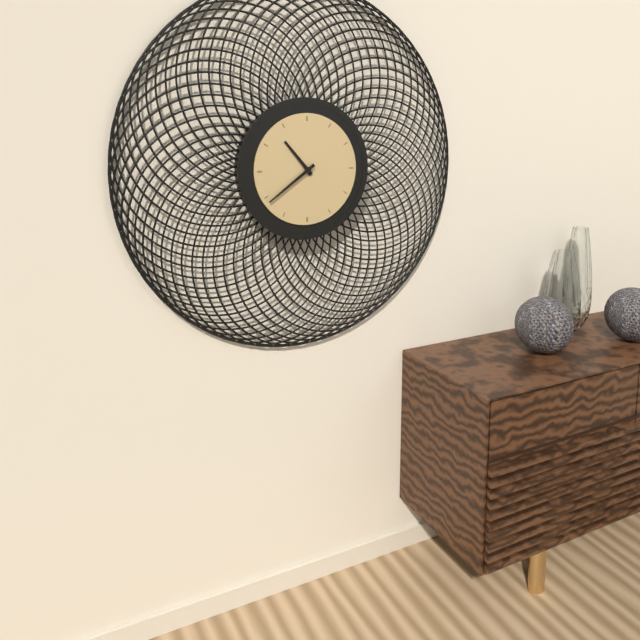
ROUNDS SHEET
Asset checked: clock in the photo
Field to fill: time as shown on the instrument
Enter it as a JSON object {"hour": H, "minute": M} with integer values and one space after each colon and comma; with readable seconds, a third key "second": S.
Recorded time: {"hour": 10, "minute": 39}
